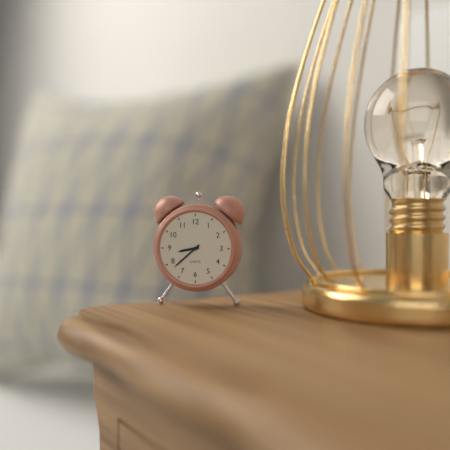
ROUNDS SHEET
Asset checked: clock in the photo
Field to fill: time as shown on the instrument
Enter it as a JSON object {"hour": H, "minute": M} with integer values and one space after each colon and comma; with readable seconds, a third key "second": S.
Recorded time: {"hour": 8, "minute": 38}
